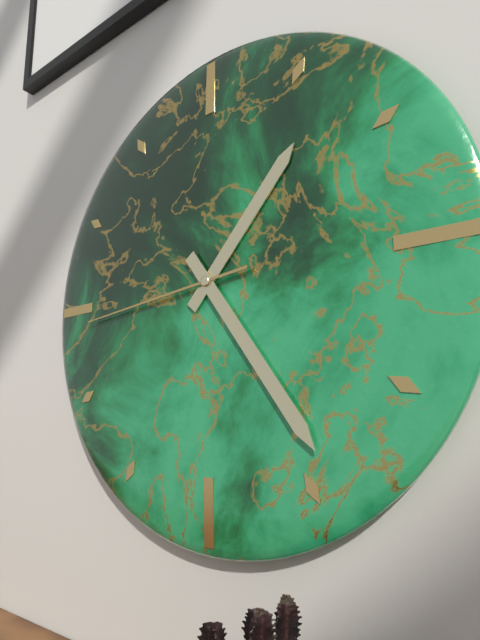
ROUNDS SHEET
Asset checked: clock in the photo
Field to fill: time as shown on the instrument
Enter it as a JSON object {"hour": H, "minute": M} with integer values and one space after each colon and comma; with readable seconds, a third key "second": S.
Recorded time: {"hour": 1, "minute": 24, "second": 44}
